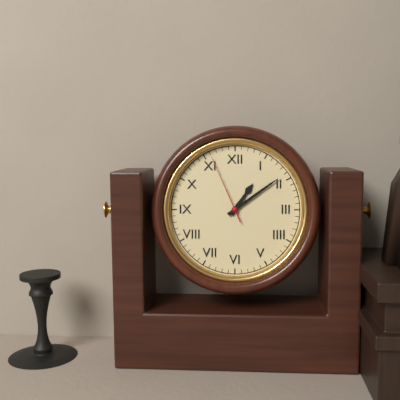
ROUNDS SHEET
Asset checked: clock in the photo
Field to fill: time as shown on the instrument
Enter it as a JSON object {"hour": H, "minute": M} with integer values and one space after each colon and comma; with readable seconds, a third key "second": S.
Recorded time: {"hour": 1, "minute": 9, "second": 56}
